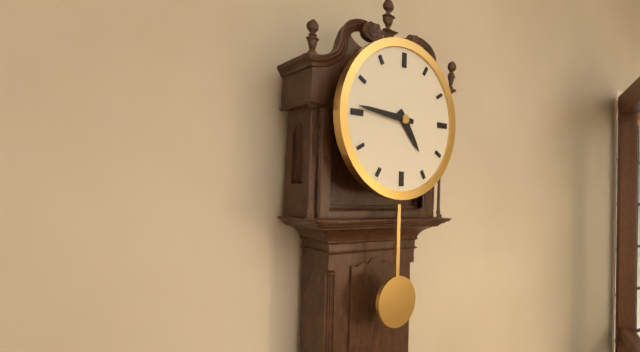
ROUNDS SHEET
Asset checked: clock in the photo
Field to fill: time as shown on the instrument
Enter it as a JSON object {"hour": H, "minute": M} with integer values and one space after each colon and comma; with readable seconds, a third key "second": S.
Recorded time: {"hour": 4, "minute": 46}
